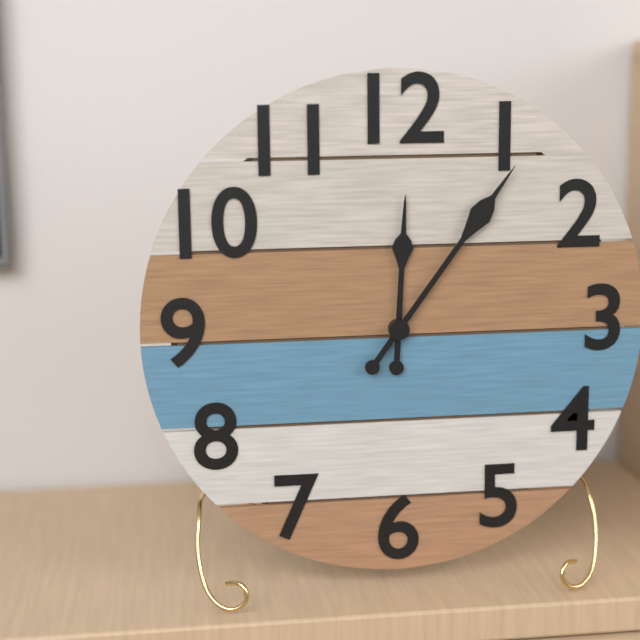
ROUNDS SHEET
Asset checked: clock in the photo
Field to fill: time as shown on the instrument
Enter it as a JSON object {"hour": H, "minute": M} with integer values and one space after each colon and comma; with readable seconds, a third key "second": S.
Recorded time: {"hour": 12, "minute": 6}
